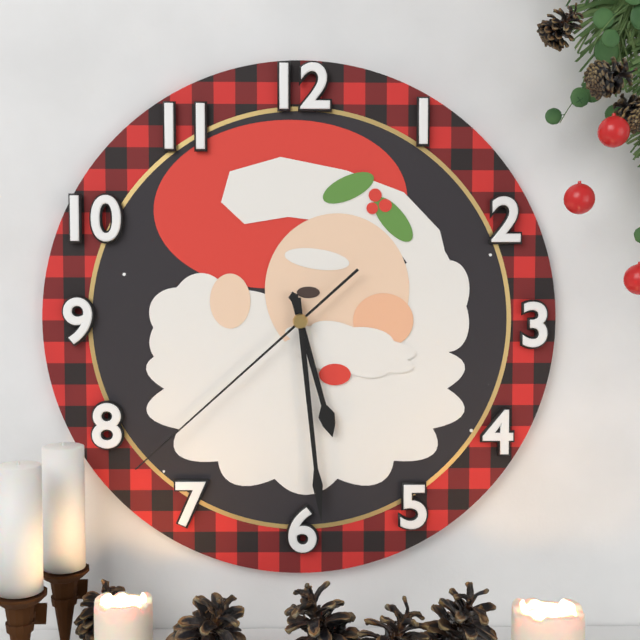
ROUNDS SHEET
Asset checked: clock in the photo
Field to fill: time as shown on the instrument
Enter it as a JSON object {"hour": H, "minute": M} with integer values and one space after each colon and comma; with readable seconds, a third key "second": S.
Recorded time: {"hour": 5, "minute": 29, "second": 38}
